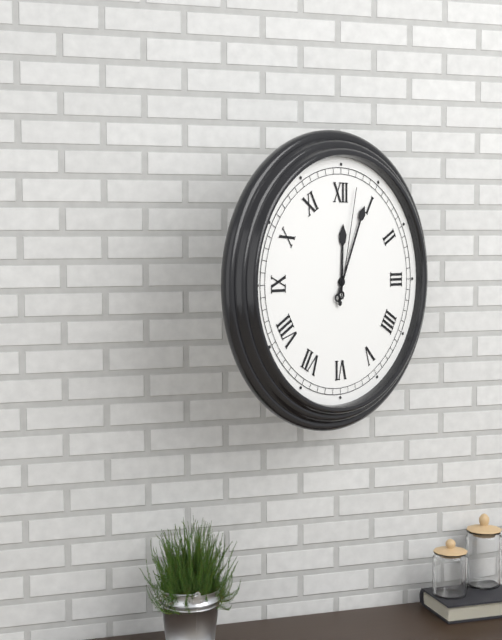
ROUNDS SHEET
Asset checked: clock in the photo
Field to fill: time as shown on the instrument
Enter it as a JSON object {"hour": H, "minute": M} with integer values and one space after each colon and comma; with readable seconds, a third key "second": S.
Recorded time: {"hour": 12, "minute": 4, "second": 2}
